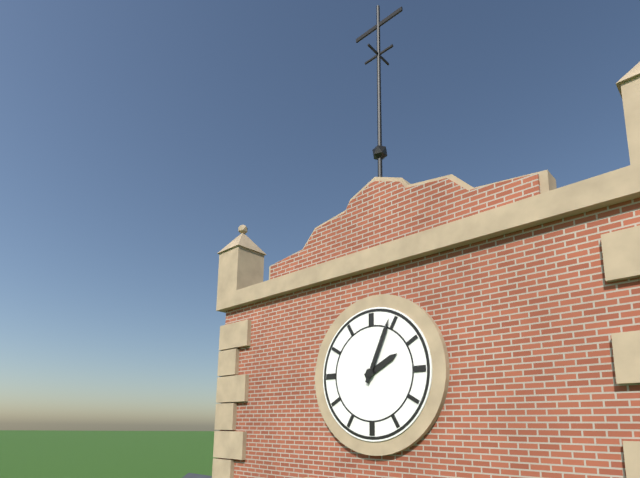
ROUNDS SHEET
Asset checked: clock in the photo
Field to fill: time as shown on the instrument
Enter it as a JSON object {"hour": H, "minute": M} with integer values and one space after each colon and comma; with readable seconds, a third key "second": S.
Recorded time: {"hour": 2, "minute": 4}
